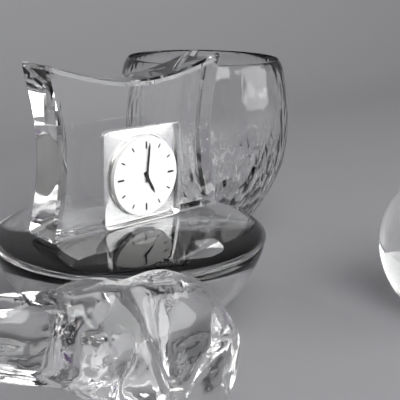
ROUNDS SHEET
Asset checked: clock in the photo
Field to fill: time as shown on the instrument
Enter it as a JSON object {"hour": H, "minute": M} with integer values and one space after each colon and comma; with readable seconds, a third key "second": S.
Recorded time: {"hour": 5, "minute": 1}
